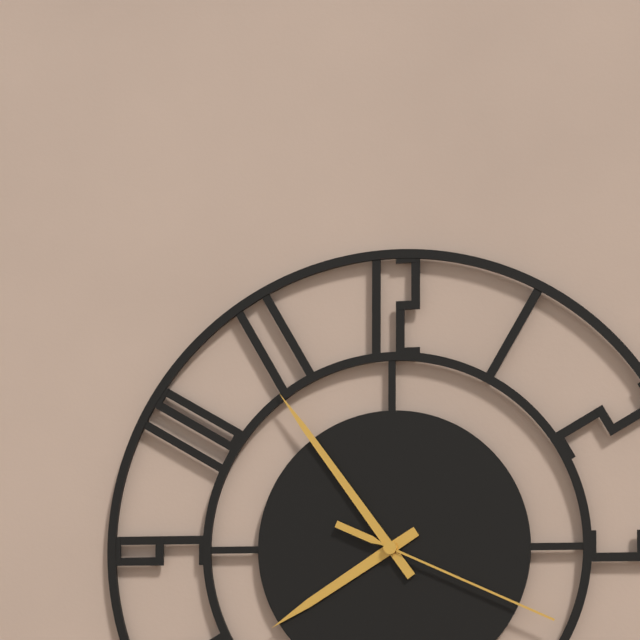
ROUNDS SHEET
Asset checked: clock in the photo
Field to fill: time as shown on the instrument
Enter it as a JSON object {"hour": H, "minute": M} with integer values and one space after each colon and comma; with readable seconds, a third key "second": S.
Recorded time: {"hour": 7, "minute": 54, "second": 19}
